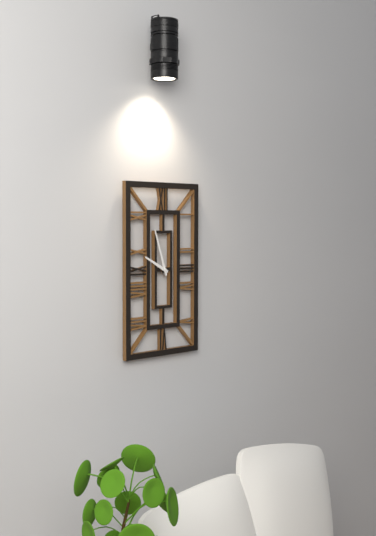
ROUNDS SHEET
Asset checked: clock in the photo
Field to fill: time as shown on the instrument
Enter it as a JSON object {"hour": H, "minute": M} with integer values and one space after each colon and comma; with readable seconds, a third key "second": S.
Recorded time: {"hour": 9, "minute": 57}
